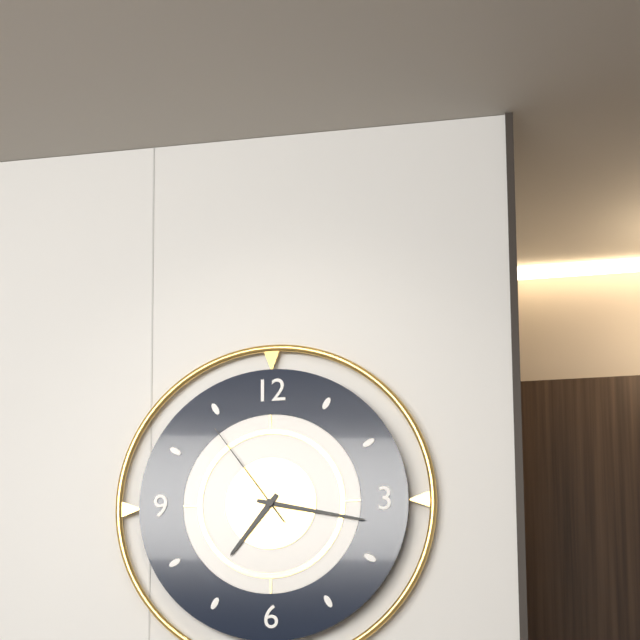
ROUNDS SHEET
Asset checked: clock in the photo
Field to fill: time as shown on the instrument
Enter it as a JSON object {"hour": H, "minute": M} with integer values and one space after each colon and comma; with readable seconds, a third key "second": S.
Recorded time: {"hour": 7, "minute": 17, "second": 54}
